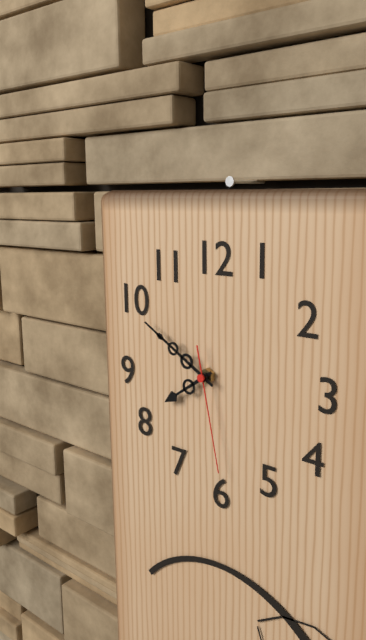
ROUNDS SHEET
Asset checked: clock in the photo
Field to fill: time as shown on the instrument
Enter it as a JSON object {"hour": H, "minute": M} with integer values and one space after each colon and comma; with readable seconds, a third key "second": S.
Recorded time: {"hour": 7, "minute": 50, "second": 28}
